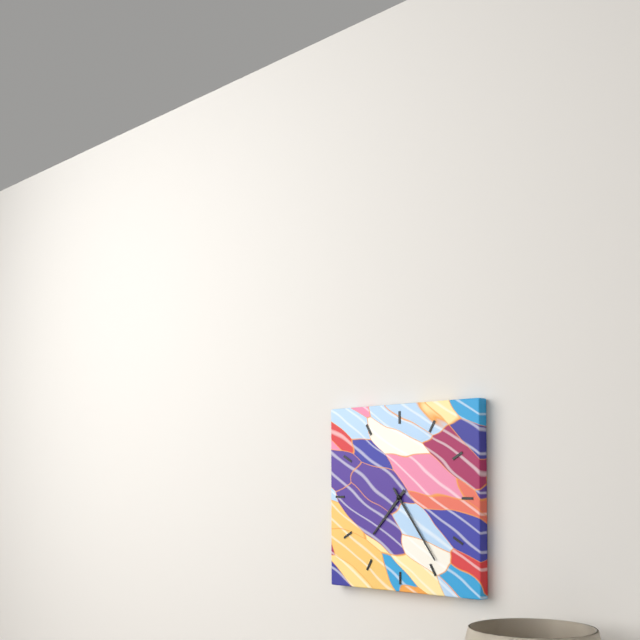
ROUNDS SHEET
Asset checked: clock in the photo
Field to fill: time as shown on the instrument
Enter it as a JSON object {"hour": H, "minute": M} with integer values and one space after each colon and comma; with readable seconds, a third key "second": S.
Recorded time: {"hour": 7, "minute": 24}
